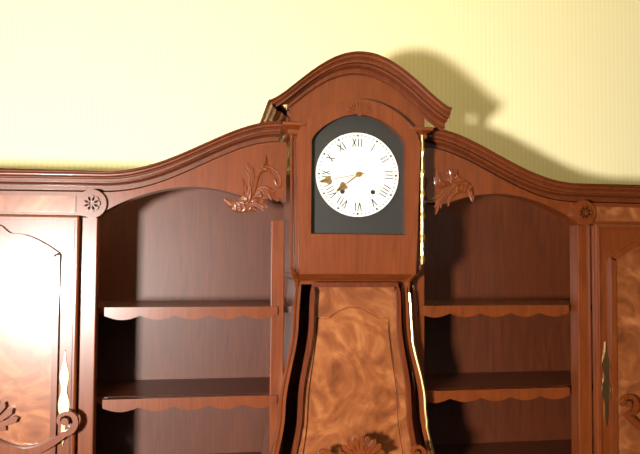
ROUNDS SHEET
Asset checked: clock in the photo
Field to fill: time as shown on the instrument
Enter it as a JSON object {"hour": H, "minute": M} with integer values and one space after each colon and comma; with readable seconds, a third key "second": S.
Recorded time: {"hour": 7, "minute": 43}
